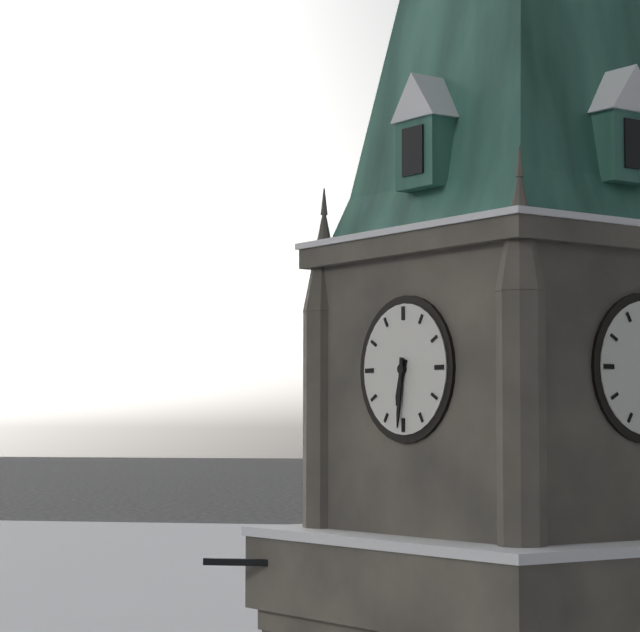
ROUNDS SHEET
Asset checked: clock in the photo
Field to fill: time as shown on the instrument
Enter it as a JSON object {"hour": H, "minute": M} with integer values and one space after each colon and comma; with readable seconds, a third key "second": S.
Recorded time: {"hour": 6, "minute": 31}
